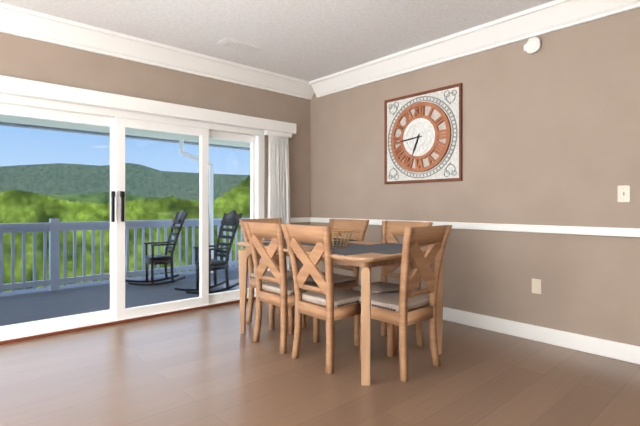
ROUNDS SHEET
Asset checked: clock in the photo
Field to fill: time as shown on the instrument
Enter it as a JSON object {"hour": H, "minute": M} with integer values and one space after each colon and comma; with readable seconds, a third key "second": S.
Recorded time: {"hour": 6, "minute": 44}
